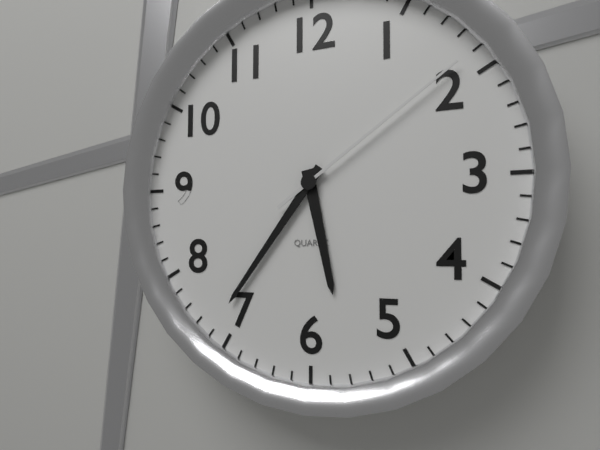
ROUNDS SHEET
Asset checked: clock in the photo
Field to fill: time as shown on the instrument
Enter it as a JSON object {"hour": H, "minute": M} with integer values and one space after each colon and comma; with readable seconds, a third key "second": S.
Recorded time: {"hour": 5, "minute": 36, "second": 9}
